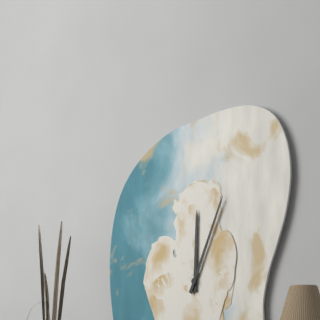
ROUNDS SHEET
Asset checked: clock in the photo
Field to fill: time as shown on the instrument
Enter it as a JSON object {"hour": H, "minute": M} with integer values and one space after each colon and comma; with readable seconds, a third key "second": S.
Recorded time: {"hour": 12, "minute": 4}
